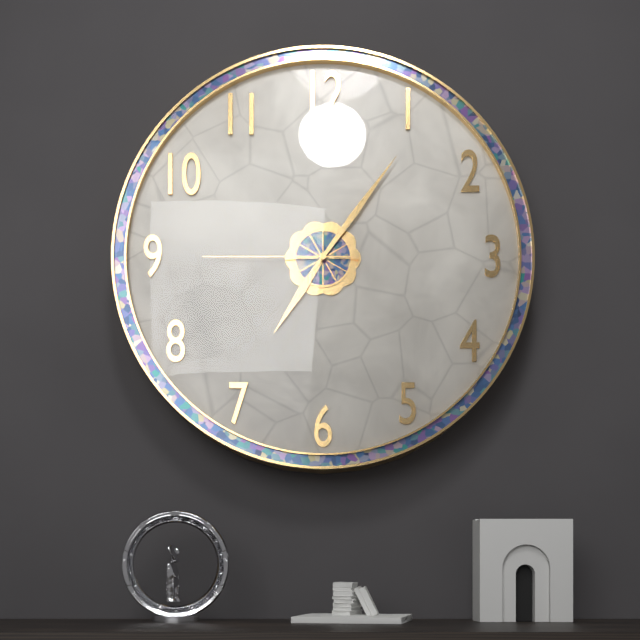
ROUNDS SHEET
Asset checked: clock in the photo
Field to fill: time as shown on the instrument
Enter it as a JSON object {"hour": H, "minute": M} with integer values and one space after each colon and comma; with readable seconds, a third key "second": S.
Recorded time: {"hour": 7, "minute": 6, "second": 45}
